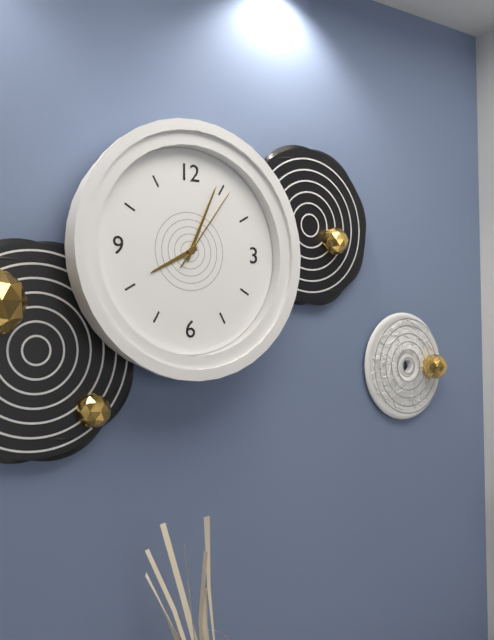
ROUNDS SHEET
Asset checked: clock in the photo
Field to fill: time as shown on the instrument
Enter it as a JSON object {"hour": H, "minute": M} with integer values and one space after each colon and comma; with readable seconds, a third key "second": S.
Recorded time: {"hour": 8, "minute": 4, "second": 6}
